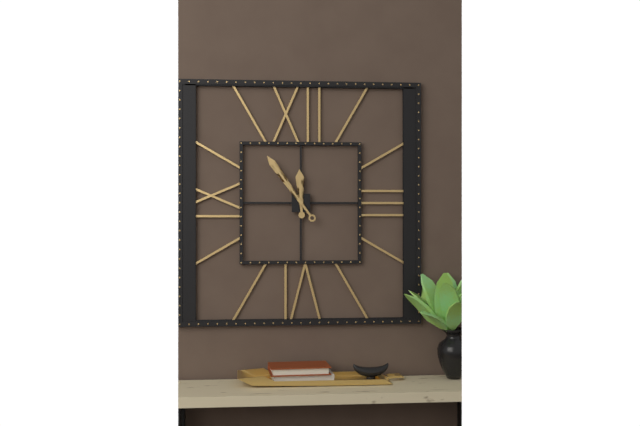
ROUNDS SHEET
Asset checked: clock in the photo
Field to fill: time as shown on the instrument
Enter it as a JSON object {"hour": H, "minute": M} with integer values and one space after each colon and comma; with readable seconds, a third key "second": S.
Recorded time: {"hour": 11, "minute": 54}
